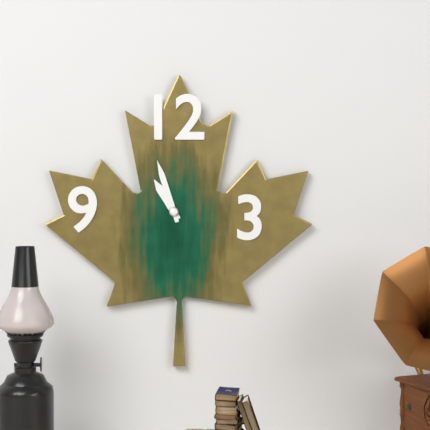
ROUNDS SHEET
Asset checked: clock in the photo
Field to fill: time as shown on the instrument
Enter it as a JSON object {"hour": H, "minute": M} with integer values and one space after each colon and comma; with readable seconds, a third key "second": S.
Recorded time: {"hour": 10, "minute": 57}
